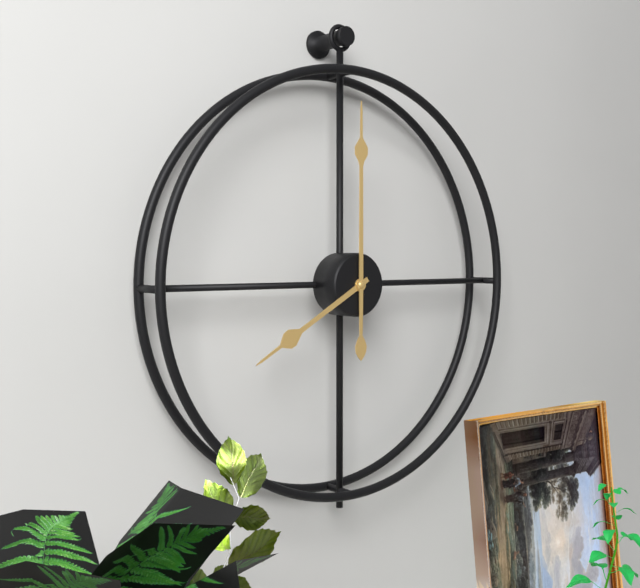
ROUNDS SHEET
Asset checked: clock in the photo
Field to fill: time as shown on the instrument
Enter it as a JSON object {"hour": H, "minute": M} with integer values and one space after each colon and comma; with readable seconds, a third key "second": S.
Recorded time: {"hour": 8, "minute": 0}
